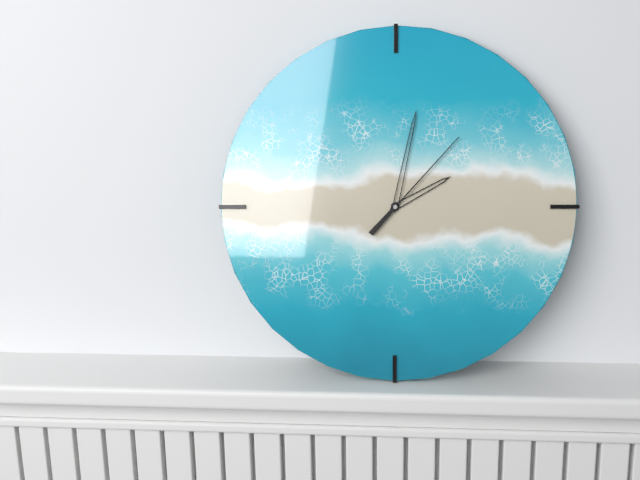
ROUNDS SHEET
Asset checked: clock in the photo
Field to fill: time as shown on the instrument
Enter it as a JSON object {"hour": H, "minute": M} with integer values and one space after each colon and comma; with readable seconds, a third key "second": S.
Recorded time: {"hour": 2, "minute": 2, "second": 7}
